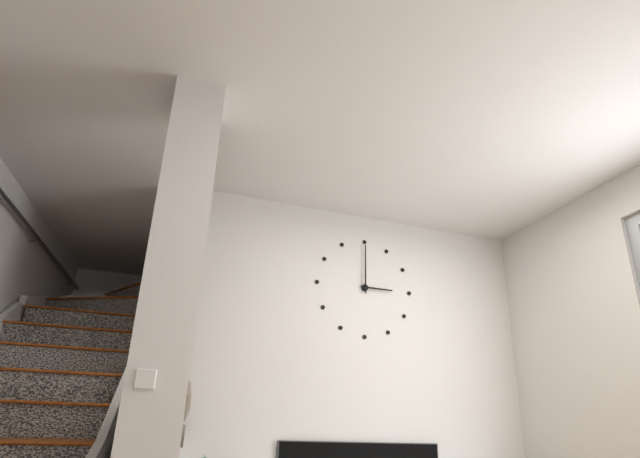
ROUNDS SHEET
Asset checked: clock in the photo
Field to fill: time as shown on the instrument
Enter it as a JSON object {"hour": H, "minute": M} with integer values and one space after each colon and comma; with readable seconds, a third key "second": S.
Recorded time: {"hour": 3, "minute": 0}
